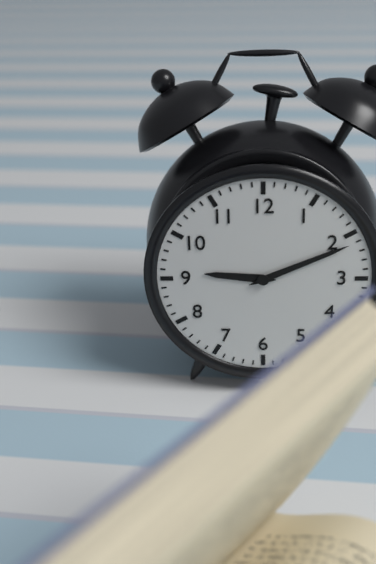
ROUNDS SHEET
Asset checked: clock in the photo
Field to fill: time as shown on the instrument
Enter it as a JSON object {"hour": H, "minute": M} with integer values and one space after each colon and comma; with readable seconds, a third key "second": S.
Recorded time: {"hour": 9, "minute": 11}
